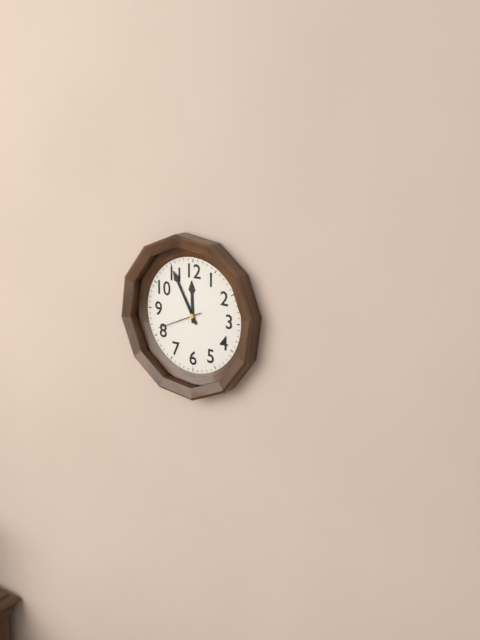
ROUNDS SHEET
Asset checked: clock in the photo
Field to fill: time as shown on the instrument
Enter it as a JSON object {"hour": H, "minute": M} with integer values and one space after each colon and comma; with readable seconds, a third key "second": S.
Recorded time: {"hour": 11, "minute": 55}
